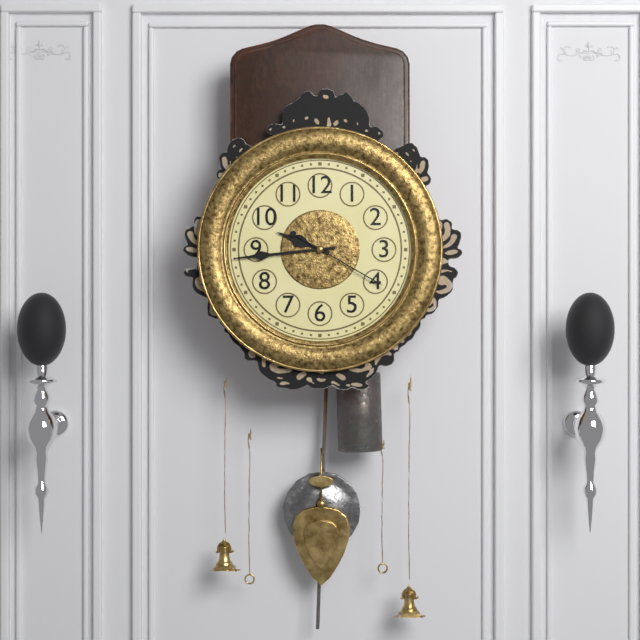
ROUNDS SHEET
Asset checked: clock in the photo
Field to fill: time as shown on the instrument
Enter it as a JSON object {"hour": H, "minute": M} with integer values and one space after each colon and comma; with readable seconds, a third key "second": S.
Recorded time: {"hour": 9, "minute": 44, "second": 20}
